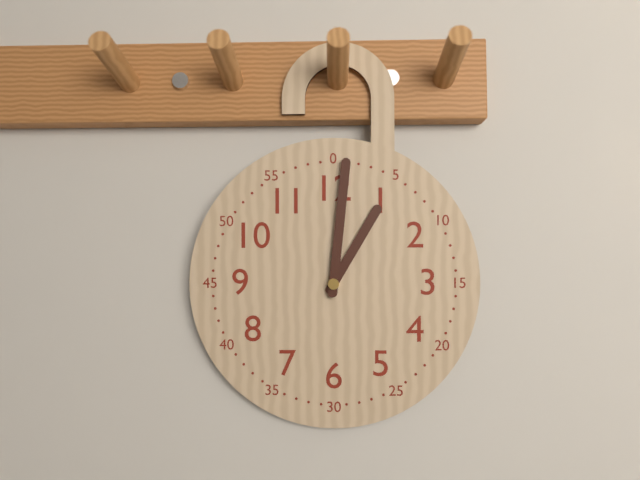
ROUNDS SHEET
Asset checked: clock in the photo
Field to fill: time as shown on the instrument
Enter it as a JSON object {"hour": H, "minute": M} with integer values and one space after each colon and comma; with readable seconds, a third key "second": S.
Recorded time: {"hour": 1, "minute": 1}
